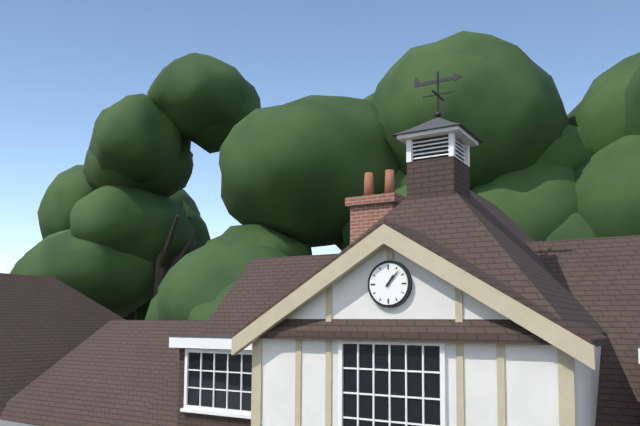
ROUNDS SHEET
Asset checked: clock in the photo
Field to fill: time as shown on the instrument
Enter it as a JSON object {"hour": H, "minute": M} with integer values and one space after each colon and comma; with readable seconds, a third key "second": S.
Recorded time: {"hour": 1, "minute": 7}
